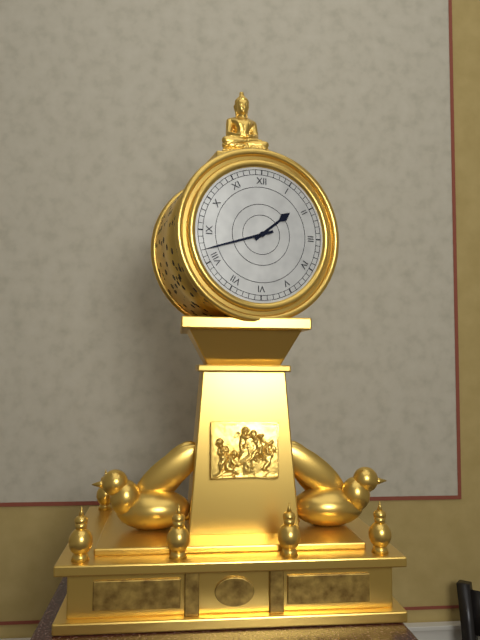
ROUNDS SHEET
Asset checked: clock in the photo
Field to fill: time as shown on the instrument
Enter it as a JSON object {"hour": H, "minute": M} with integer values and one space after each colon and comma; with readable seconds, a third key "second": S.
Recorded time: {"hour": 1, "minute": 42}
